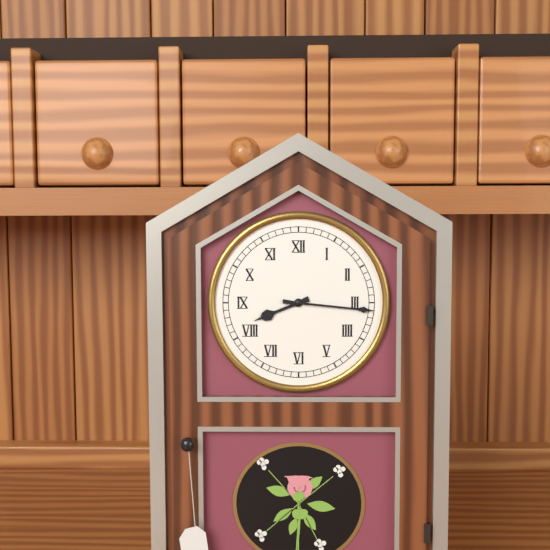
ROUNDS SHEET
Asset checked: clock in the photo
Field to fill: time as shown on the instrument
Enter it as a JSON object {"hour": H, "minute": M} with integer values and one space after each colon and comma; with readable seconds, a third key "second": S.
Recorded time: {"hour": 8, "minute": 16}
